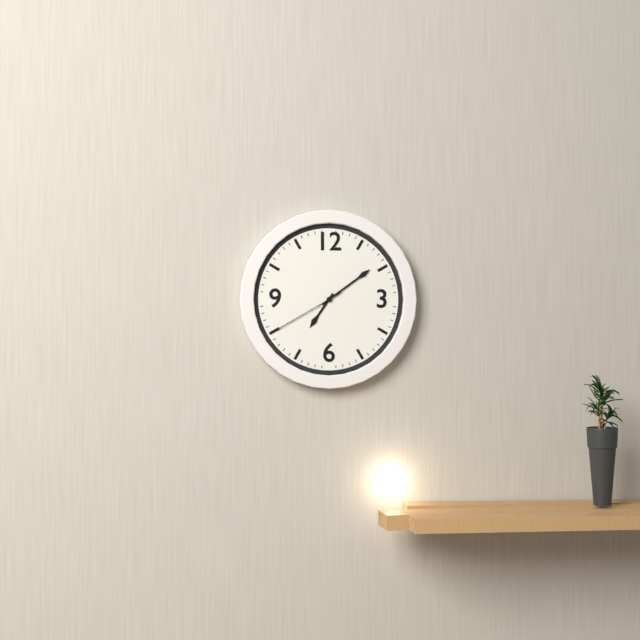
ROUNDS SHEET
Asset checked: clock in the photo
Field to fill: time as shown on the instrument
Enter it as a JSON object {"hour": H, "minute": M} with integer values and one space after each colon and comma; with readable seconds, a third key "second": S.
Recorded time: {"hour": 7, "minute": 9, "second": 40}
